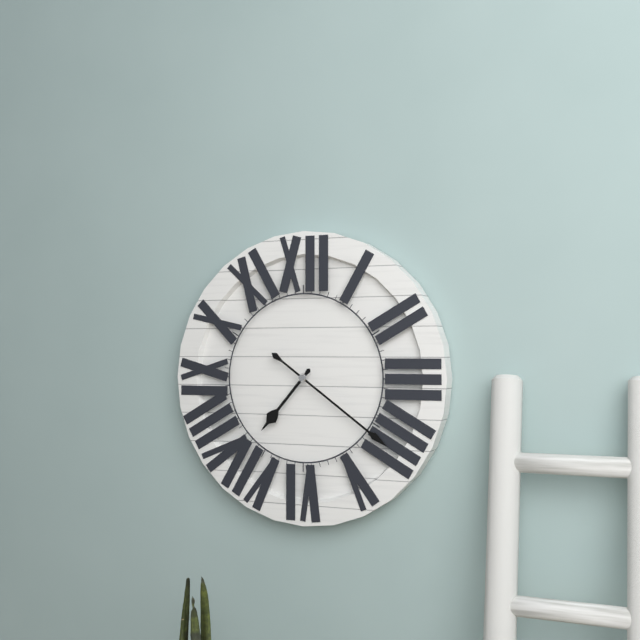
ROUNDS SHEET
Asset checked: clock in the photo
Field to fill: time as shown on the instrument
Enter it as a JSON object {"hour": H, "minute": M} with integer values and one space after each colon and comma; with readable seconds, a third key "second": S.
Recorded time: {"hour": 7, "minute": 21}
